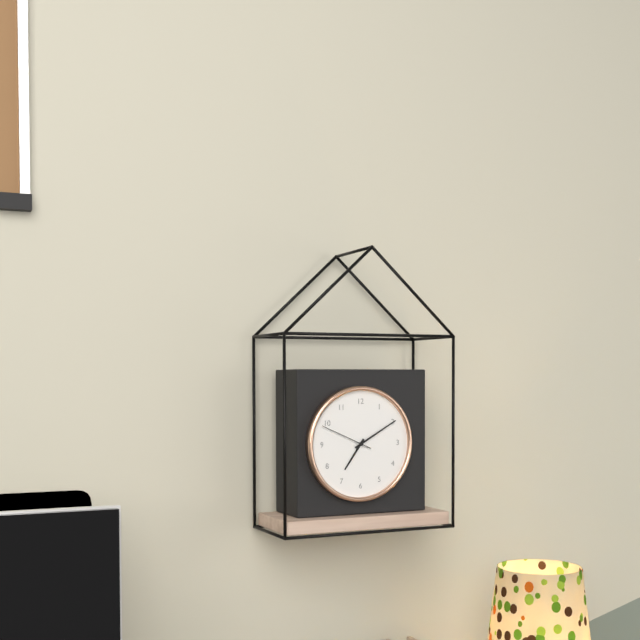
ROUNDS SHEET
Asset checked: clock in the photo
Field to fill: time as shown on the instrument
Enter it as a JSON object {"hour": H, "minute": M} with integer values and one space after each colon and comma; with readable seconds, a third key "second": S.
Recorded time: {"hour": 7, "minute": 10, "second": 49}
